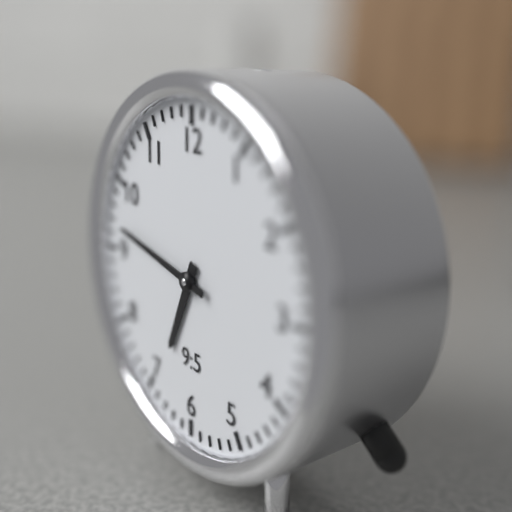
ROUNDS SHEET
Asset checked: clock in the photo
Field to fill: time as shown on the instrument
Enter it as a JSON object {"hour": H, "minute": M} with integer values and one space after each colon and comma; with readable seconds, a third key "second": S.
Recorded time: {"hour": 6, "minute": 47}
